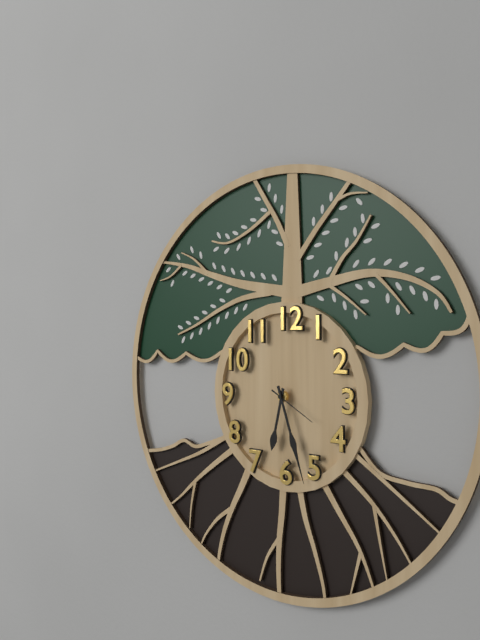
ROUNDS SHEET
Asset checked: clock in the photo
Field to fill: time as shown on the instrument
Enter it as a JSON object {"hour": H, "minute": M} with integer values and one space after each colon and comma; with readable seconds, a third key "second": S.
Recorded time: {"hour": 6, "minute": 27, "second": 20}
